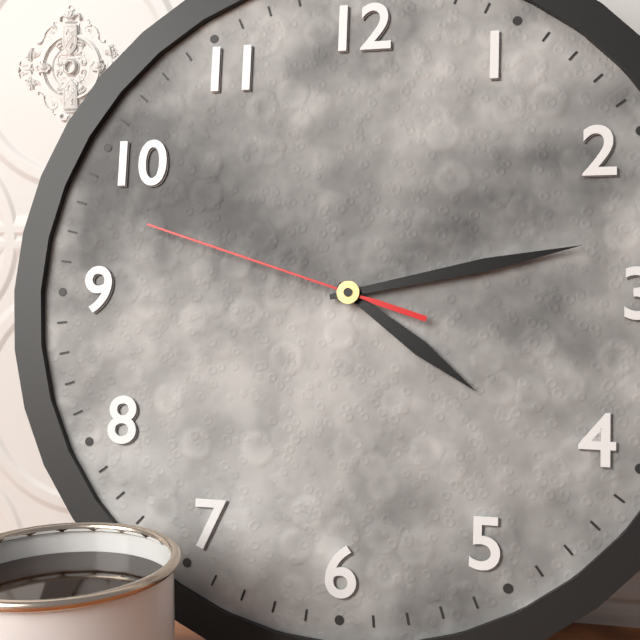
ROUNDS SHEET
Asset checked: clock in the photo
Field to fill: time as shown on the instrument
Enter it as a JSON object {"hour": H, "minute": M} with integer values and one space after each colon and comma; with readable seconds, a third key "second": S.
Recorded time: {"hour": 4, "minute": 13, "second": 48}
